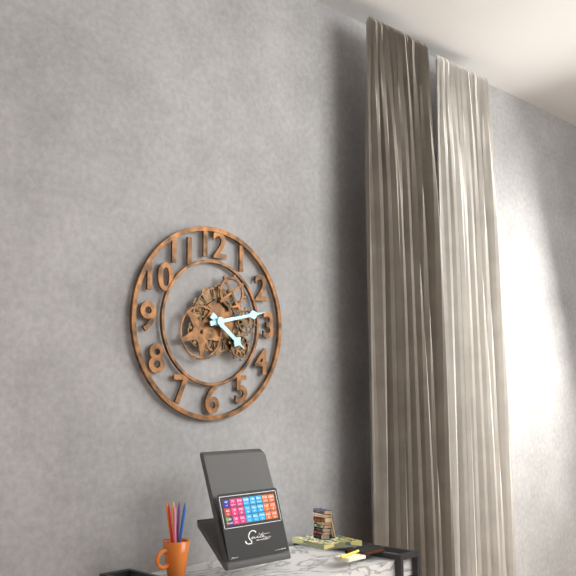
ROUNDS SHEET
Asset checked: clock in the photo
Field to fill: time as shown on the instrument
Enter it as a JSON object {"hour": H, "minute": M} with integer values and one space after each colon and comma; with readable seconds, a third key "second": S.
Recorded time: {"hour": 4, "minute": 13}
